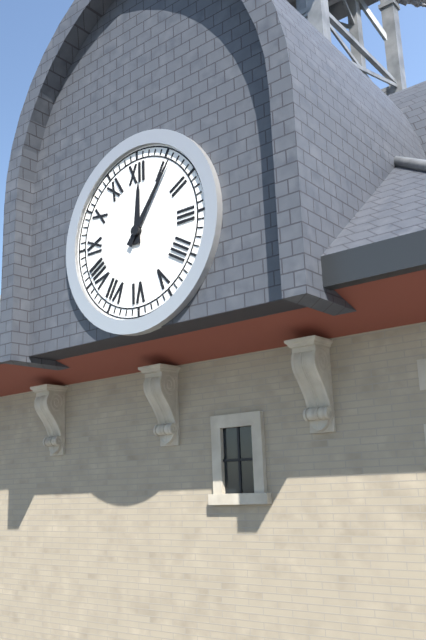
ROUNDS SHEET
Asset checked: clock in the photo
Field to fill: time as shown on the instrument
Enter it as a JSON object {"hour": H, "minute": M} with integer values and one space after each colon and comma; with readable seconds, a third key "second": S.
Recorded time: {"hour": 12, "minute": 6}
